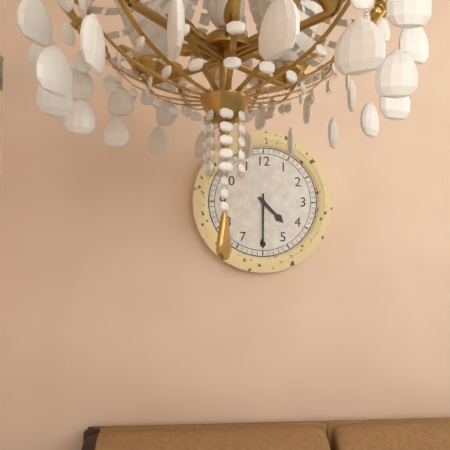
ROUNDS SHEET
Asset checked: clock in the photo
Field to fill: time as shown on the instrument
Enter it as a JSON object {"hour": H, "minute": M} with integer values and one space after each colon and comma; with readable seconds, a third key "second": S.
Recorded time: {"hour": 4, "minute": 30}
